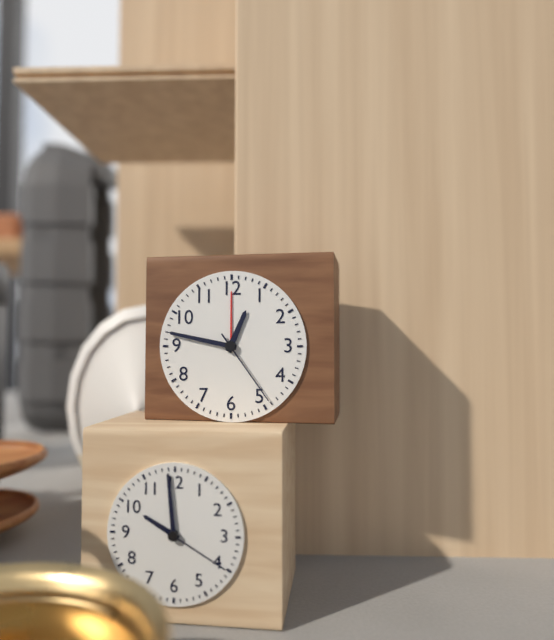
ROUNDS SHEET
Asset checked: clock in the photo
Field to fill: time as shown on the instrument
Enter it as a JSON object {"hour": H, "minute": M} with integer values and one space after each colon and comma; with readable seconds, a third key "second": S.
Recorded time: {"hour": 12, "minute": 47, "second": 24}
